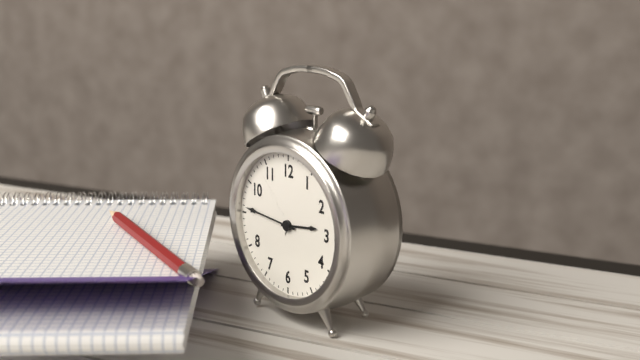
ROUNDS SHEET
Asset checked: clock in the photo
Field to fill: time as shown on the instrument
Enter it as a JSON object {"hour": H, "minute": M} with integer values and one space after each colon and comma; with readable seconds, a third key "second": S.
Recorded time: {"hour": 2, "minute": 46}
